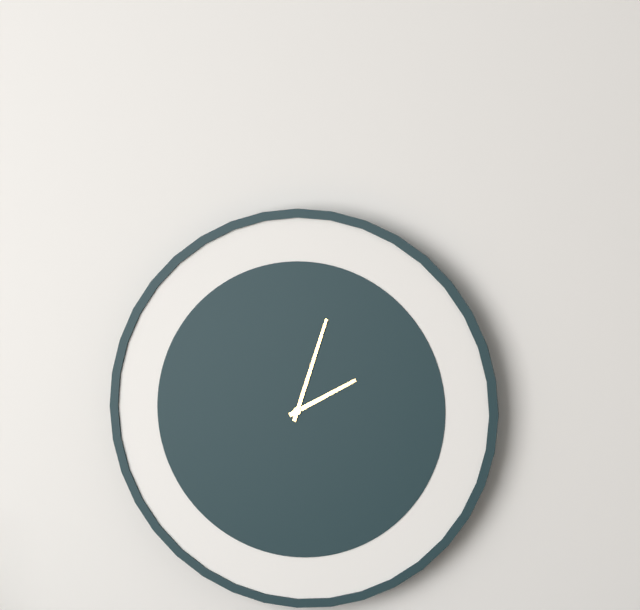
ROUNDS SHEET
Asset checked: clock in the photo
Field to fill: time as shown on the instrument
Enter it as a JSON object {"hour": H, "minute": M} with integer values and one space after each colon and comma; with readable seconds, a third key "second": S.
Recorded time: {"hour": 2, "minute": 3}
